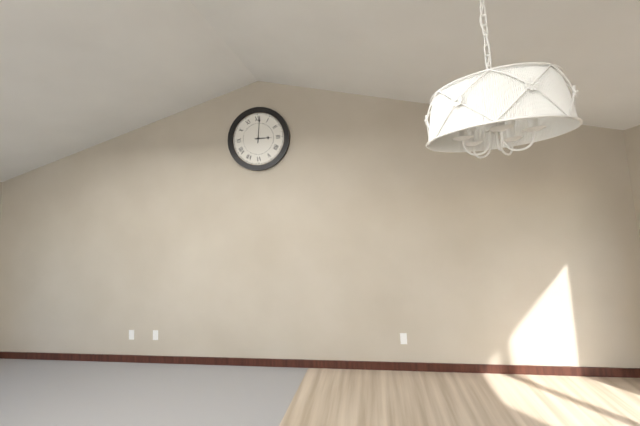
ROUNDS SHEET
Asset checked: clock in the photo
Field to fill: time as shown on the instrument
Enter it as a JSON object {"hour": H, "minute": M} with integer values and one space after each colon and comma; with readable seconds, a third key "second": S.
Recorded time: {"hour": 3, "minute": 1}
